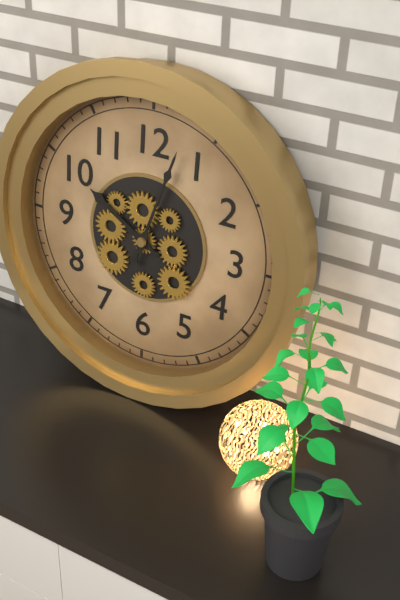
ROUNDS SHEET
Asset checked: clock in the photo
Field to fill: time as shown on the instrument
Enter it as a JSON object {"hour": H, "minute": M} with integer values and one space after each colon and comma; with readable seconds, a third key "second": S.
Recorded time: {"hour": 10, "minute": 3}
